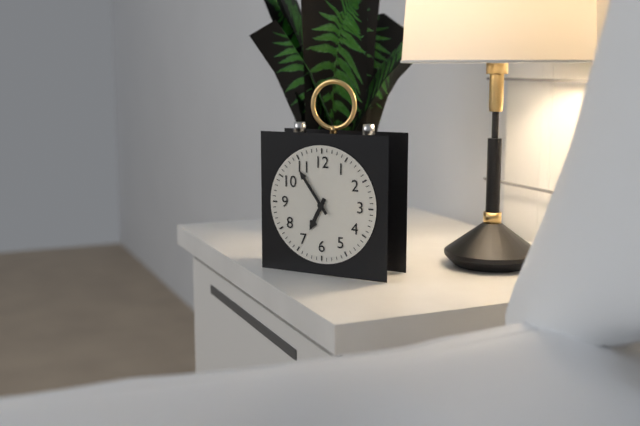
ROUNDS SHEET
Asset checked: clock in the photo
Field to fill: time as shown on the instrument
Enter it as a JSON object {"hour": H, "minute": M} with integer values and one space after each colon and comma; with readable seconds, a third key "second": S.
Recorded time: {"hour": 6, "minute": 54}
